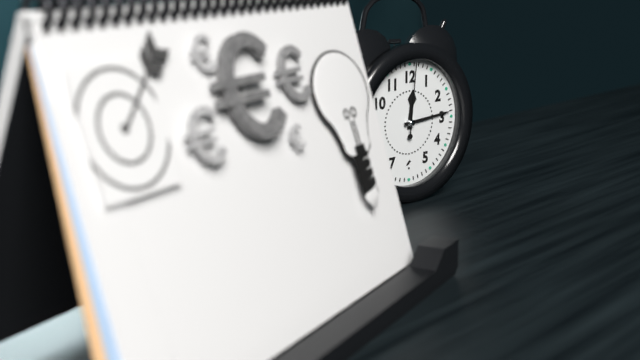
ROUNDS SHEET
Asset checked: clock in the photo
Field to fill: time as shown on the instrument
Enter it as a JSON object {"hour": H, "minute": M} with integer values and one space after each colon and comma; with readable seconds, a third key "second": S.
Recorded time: {"hour": 12, "minute": 14, "second": 1}
